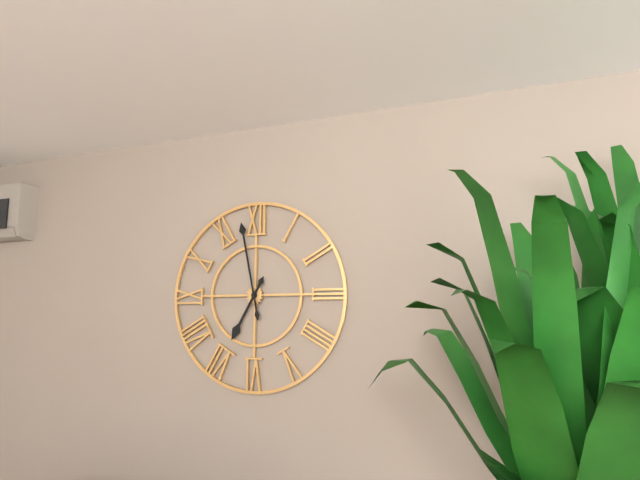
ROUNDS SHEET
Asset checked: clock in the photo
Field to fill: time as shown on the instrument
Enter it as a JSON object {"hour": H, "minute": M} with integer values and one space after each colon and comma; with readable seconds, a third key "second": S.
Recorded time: {"hour": 6, "minute": 58}
